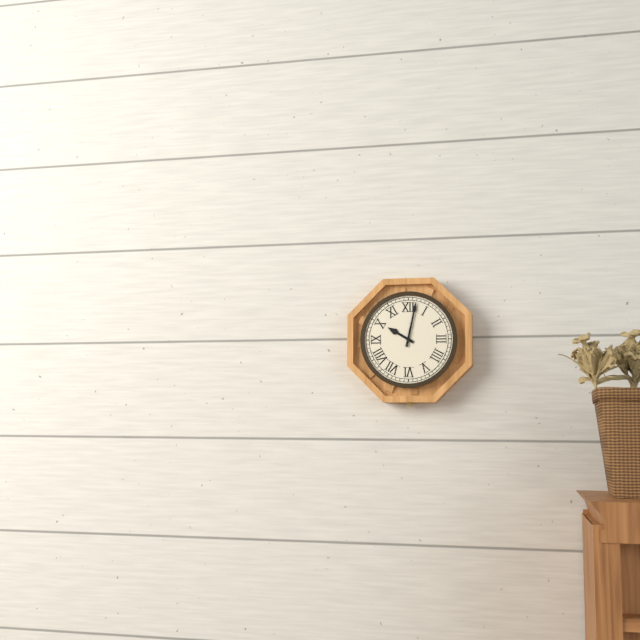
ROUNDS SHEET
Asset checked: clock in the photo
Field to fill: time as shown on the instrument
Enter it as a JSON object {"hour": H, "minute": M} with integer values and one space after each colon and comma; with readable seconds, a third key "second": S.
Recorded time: {"hour": 10, "minute": 2}
